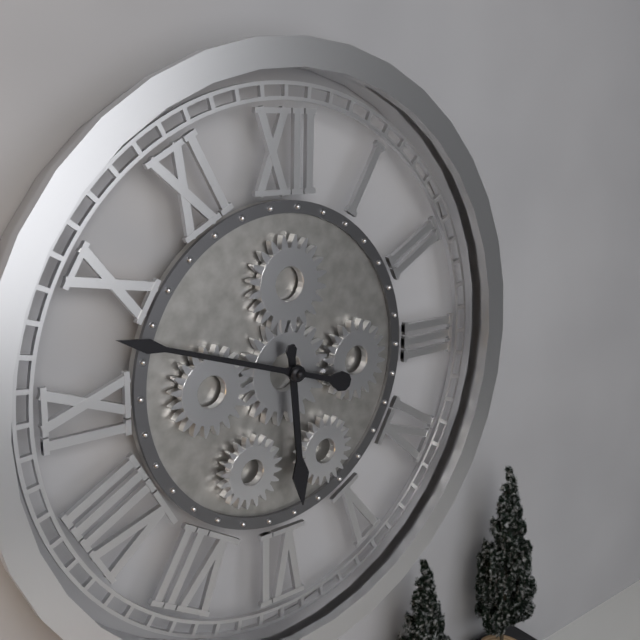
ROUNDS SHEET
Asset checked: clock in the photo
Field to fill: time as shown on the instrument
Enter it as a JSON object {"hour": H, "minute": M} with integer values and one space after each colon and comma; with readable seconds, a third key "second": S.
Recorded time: {"hour": 5, "minute": 48}
